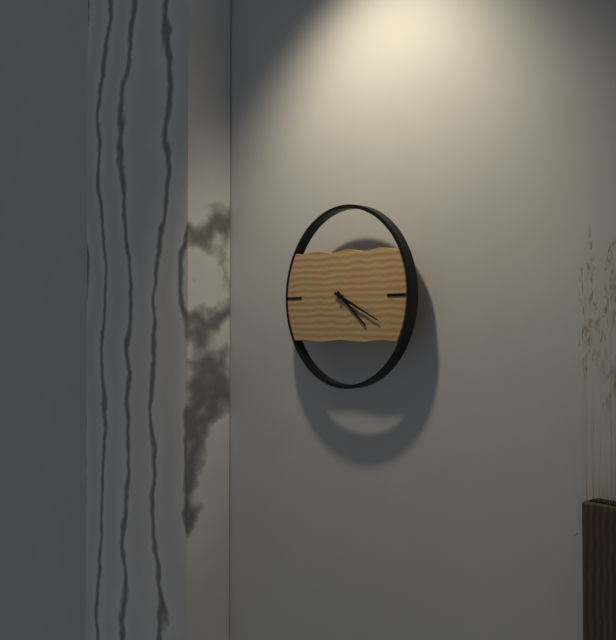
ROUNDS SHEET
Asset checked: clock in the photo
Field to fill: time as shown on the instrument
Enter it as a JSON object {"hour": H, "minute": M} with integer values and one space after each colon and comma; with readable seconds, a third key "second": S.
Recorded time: {"hour": 4, "minute": 19}
